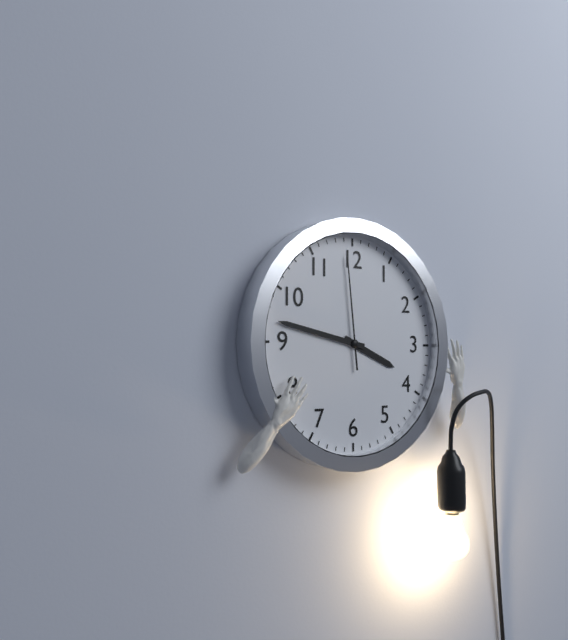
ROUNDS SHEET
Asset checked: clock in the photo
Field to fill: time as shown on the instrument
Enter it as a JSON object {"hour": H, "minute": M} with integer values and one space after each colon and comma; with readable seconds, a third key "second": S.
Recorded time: {"hour": 3, "minute": 47, "second": 59}
